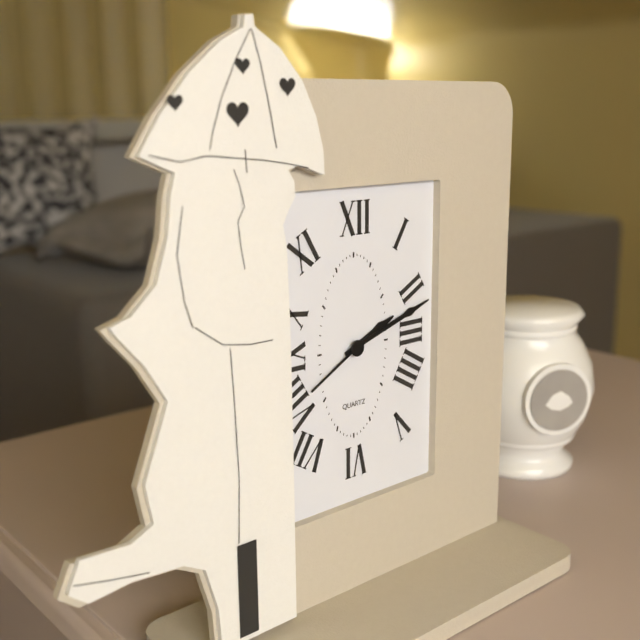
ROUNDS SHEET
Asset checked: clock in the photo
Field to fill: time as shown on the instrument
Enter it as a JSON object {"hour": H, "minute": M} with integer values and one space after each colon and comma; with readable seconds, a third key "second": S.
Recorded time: {"hour": 2, "minute": 12, "second": 40}
